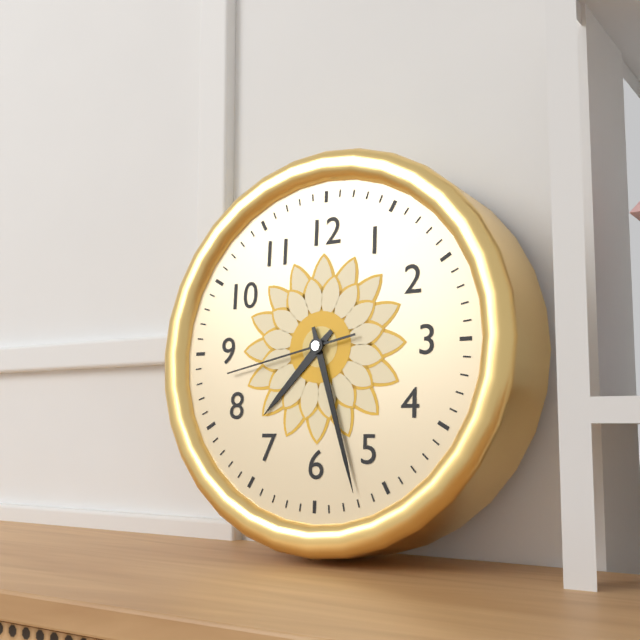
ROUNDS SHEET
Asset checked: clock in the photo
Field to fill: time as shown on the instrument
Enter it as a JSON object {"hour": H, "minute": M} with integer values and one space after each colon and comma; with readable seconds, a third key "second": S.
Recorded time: {"hour": 7, "minute": 27, "second": 43}
